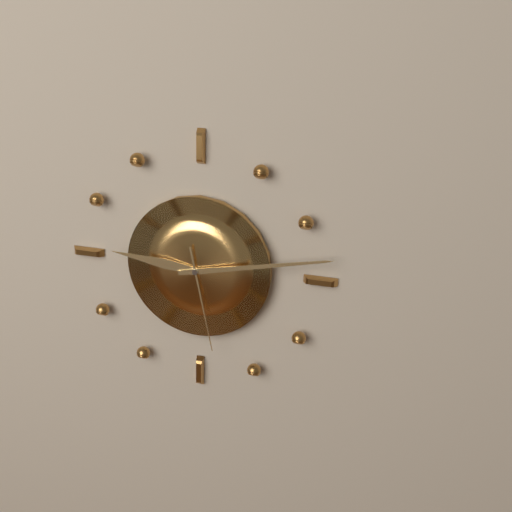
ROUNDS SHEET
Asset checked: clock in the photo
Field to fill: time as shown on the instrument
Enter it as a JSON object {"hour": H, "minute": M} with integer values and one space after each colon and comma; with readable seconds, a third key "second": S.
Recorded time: {"hour": 9, "minute": 13, "second": 28}
